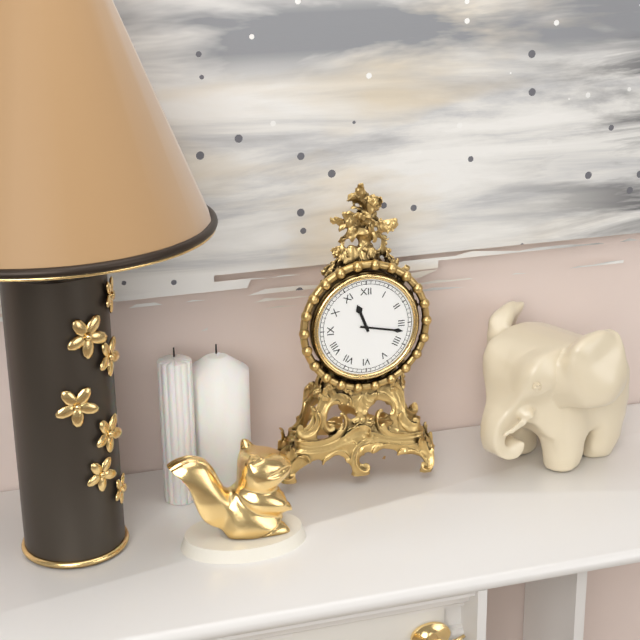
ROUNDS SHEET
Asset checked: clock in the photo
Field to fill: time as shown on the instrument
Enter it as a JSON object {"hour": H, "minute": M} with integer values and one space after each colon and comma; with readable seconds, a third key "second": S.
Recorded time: {"hour": 11, "minute": 17}
